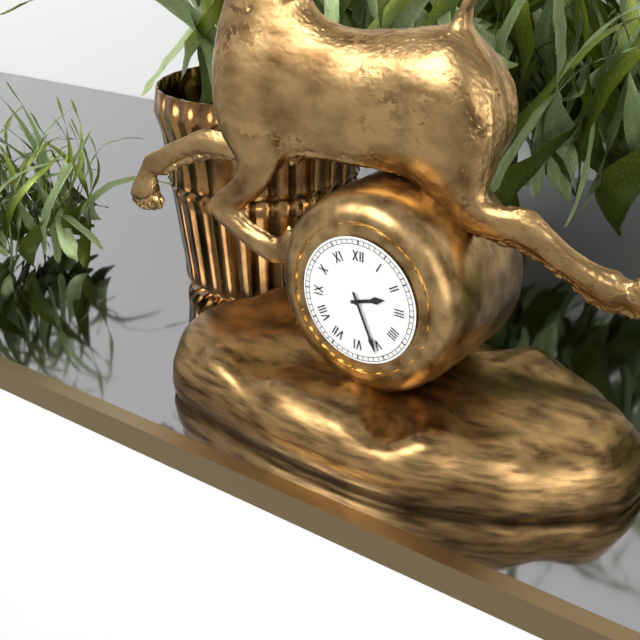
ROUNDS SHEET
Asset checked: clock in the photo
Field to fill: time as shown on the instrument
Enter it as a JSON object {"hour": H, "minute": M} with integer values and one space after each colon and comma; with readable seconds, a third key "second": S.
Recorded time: {"hour": 2, "minute": 26}
